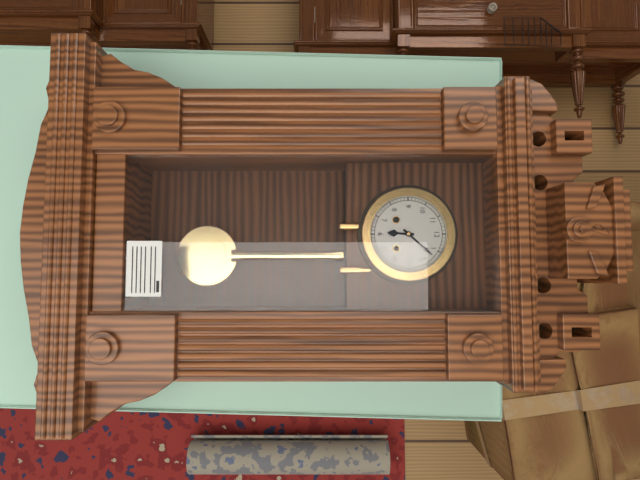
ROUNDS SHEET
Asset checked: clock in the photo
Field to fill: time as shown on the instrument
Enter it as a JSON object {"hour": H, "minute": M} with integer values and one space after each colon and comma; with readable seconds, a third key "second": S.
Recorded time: {"hour": 6, "minute": 7}
